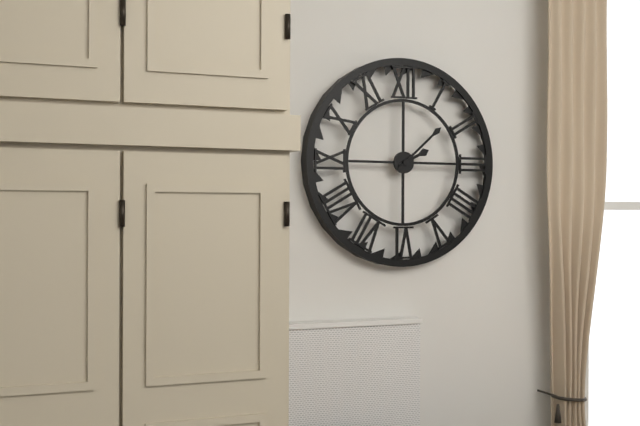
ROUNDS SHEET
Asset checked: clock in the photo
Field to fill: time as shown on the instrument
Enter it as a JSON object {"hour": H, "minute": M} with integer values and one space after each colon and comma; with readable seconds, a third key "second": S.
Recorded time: {"hour": 2, "minute": 8}
